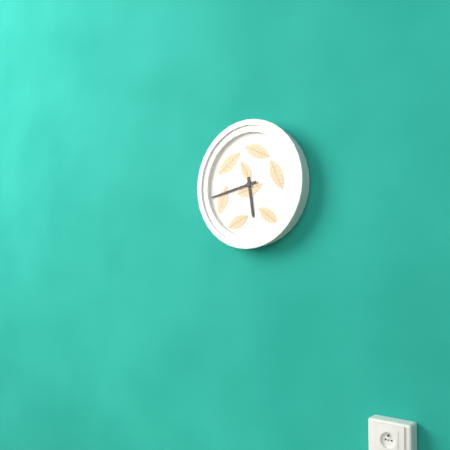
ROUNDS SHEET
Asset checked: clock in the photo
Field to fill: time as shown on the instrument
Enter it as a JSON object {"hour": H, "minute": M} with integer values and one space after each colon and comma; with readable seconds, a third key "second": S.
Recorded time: {"hour": 5, "minute": 43}
